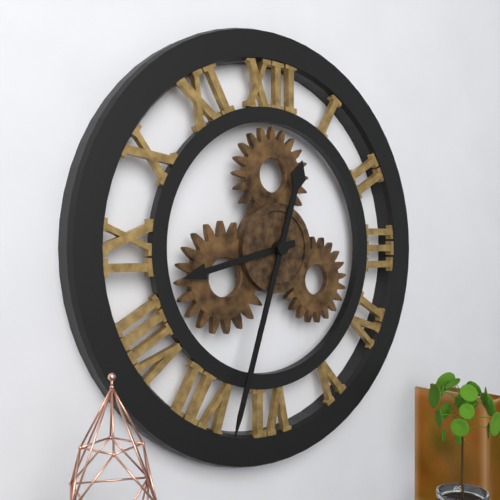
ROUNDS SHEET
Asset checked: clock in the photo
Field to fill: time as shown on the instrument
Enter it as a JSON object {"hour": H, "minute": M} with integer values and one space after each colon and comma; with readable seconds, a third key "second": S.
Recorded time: {"hour": 8, "minute": 33}
